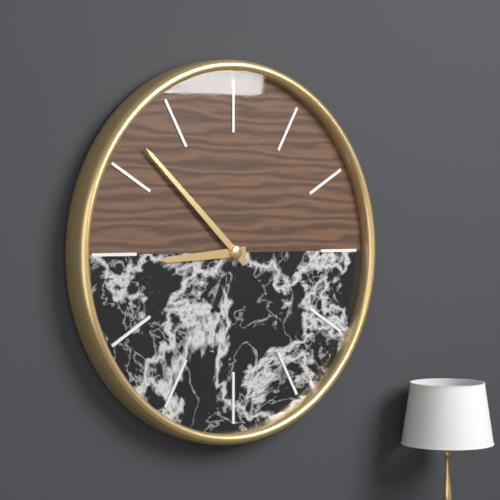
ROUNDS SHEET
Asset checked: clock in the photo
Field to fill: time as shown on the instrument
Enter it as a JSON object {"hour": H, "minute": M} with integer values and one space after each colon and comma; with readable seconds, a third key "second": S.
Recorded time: {"hour": 8, "minute": 52}
